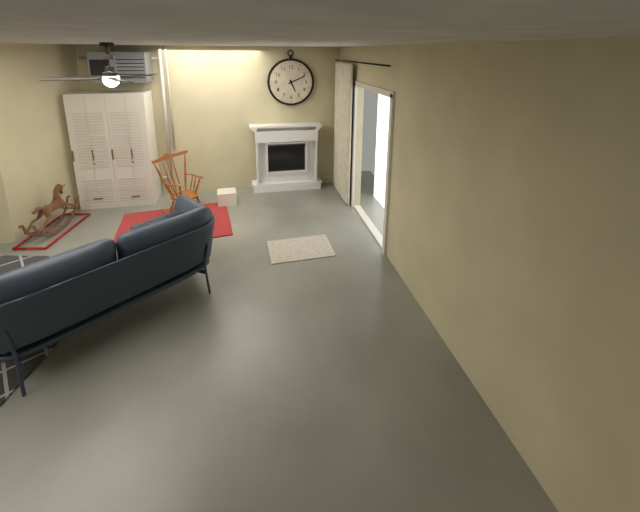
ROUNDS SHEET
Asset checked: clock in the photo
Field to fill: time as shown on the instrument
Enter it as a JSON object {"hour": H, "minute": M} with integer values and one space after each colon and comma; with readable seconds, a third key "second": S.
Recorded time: {"hour": 5, "minute": 11}
